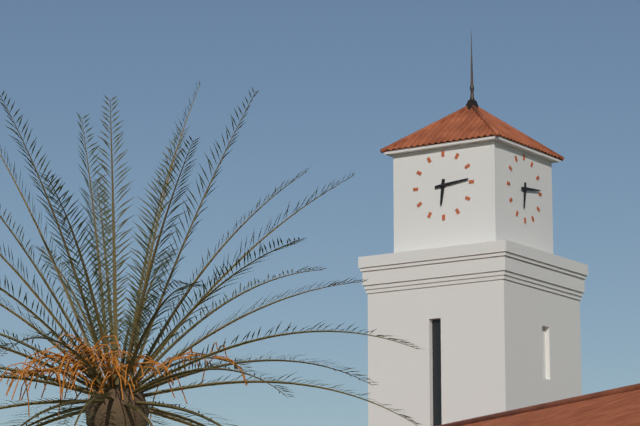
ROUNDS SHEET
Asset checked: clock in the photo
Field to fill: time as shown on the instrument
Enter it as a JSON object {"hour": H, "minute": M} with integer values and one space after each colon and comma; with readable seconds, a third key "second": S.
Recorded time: {"hour": 6, "minute": 14}
